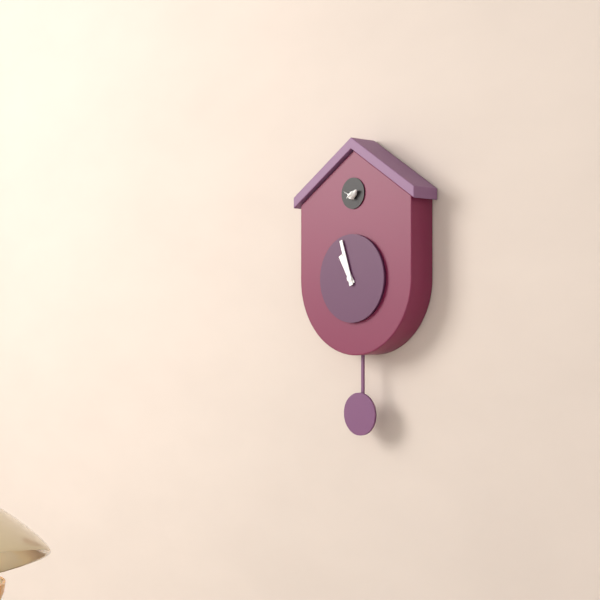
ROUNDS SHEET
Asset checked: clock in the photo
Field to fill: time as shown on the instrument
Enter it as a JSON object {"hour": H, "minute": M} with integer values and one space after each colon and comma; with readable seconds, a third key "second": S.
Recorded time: {"hour": 10, "minute": 57}
